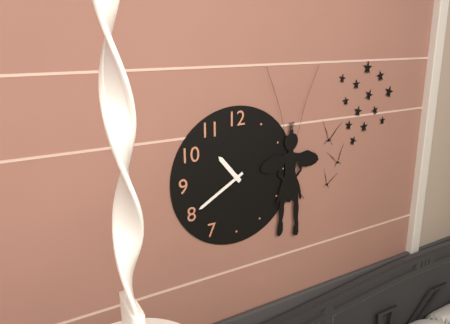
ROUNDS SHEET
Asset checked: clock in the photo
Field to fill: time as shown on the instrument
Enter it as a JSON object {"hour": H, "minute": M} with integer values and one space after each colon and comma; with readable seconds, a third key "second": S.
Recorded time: {"hour": 10, "minute": 40}
